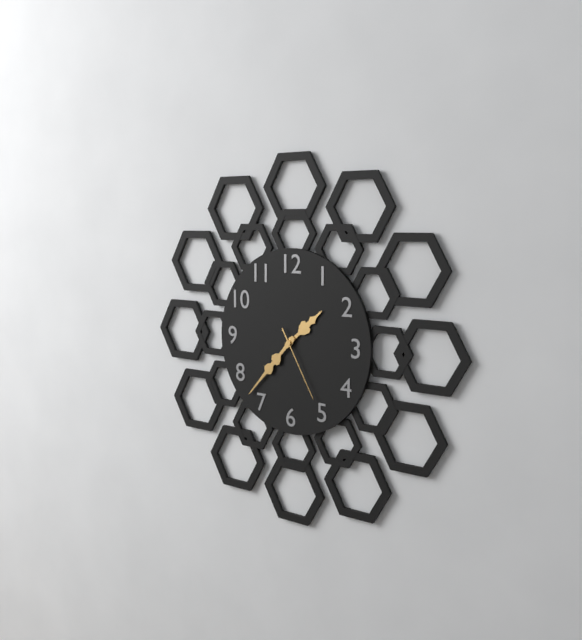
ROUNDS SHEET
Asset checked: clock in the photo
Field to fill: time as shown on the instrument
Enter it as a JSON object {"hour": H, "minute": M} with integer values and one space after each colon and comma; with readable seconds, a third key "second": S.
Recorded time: {"hour": 1, "minute": 37, "second": 25}
